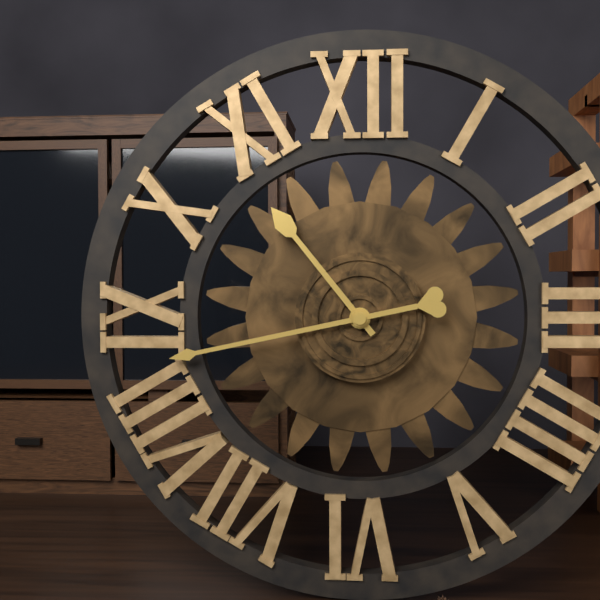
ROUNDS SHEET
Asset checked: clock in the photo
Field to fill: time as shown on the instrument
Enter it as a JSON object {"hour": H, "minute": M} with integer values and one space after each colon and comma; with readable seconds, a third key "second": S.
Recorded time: {"hour": 10, "minute": 43}
